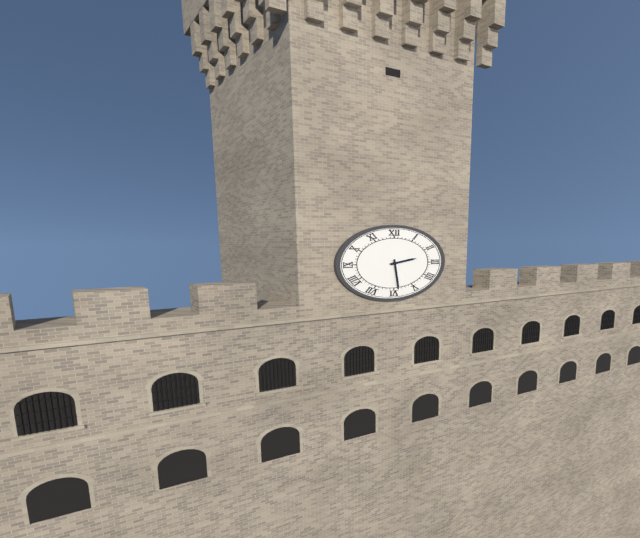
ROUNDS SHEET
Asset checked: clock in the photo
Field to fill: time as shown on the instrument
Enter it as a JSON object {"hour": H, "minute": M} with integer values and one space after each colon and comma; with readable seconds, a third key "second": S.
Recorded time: {"hour": 2, "minute": 29}
